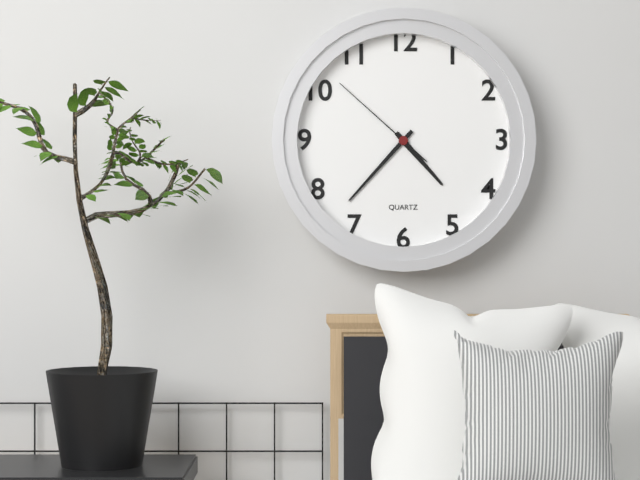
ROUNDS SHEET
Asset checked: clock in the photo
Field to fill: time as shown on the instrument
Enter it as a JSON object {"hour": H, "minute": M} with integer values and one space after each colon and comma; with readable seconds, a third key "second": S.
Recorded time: {"hour": 4, "minute": 37, "second": 52}
